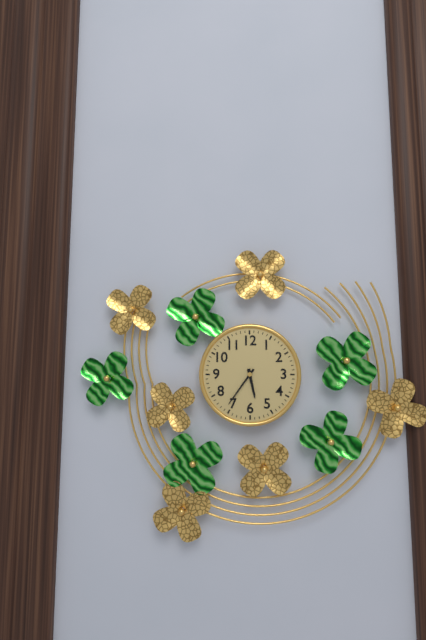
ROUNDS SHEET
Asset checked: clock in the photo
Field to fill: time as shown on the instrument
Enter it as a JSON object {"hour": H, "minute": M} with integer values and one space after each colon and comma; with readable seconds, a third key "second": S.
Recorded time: {"hour": 5, "minute": 36}
